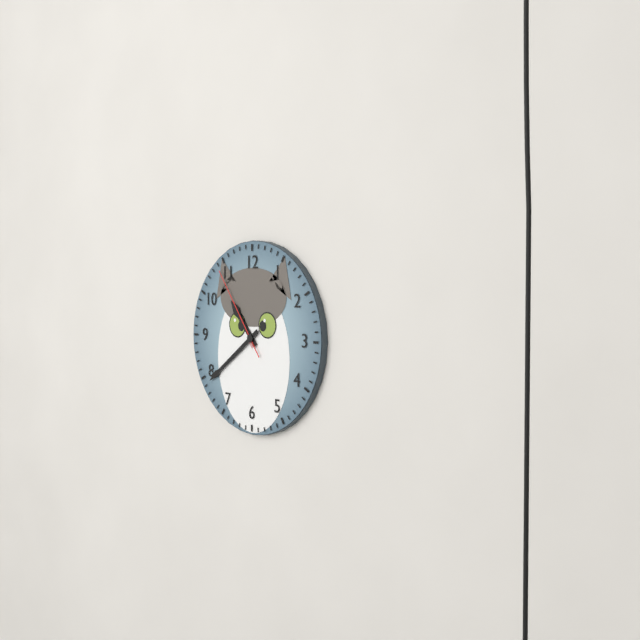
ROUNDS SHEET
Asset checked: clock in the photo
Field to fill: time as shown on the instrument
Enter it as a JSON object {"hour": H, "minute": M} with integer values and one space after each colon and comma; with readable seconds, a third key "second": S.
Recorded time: {"hour": 10, "minute": 39, "second": 54}
